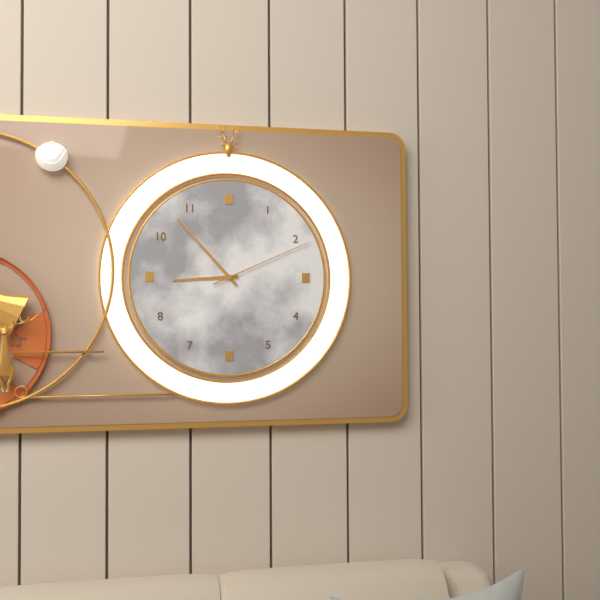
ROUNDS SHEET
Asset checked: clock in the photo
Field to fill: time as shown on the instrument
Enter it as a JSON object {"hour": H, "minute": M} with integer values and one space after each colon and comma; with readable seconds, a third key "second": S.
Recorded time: {"hour": 8, "minute": 53, "second": 11}
